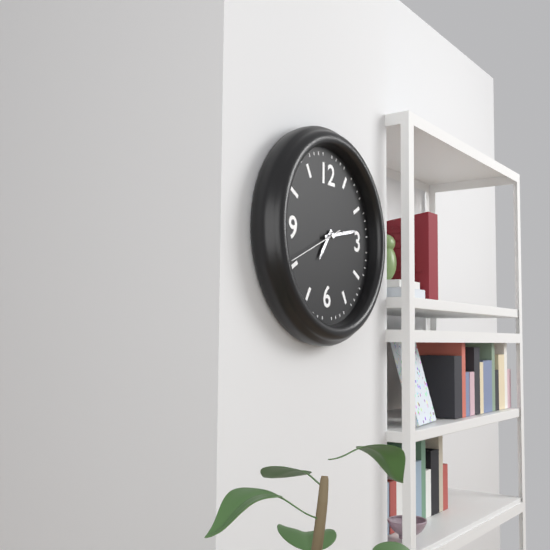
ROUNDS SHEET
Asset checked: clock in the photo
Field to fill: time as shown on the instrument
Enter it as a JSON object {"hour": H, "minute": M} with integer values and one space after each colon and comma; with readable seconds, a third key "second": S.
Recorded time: {"hour": 7, "minute": 13, "second": 41}
